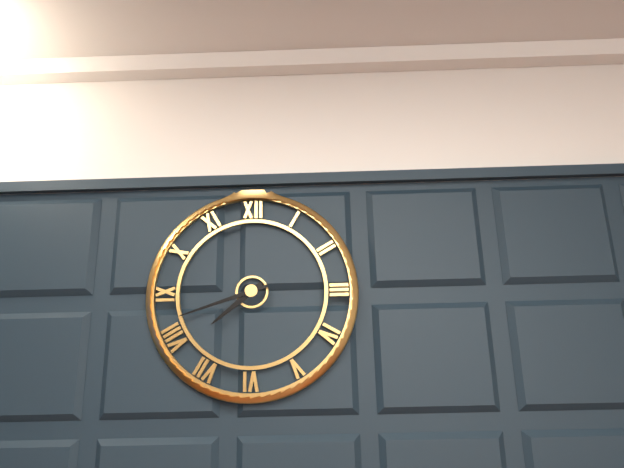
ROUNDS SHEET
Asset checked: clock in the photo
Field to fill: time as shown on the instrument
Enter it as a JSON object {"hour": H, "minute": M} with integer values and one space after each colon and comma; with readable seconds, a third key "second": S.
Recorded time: {"hour": 7, "minute": 42}
